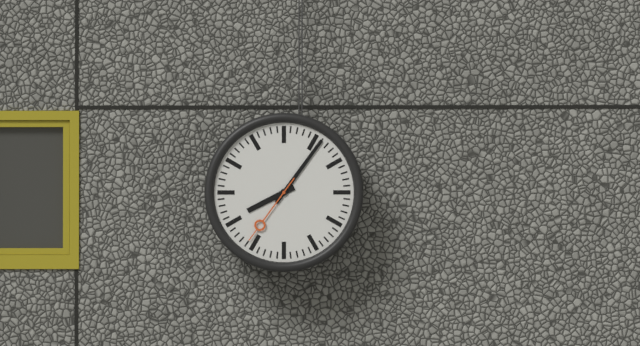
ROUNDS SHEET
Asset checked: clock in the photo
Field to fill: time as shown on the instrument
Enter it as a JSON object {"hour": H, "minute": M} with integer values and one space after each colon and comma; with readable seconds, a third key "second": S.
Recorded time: {"hour": 8, "minute": 6, "second": 36}
